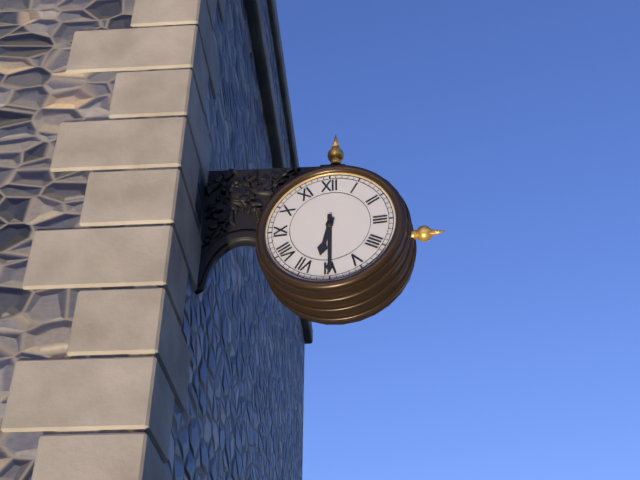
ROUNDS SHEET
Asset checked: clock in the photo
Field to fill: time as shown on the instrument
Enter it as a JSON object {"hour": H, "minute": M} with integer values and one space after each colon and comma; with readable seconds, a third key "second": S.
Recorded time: {"hour": 6, "minute": 30}
